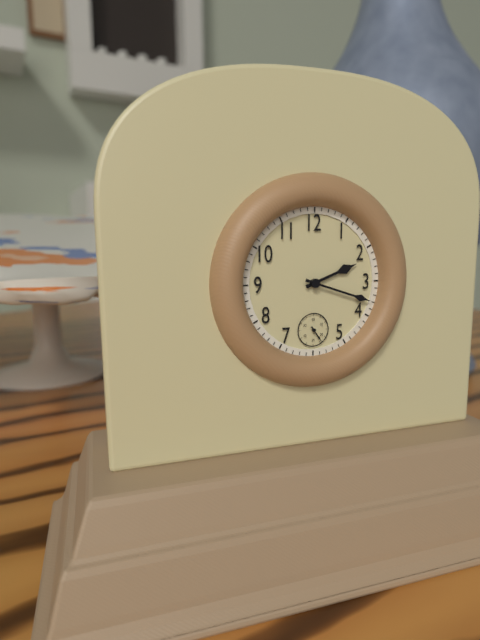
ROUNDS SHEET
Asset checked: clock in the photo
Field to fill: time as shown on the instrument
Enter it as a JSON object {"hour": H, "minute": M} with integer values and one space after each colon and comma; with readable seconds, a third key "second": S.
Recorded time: {"hour": 2, "minute": 18}
